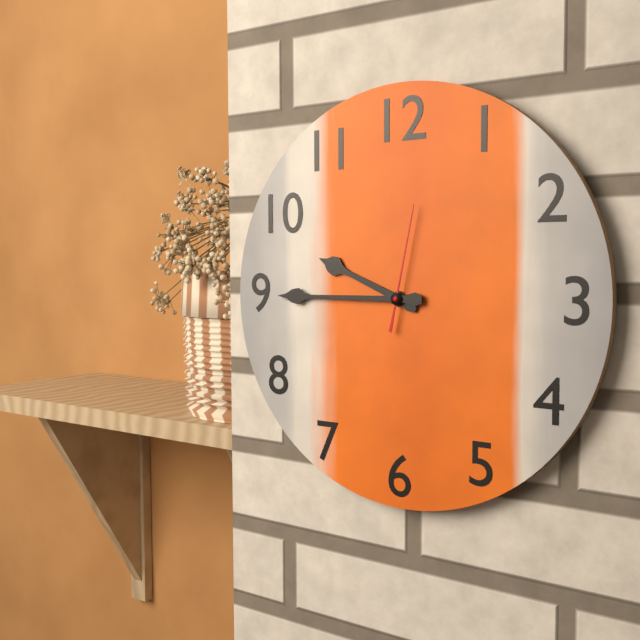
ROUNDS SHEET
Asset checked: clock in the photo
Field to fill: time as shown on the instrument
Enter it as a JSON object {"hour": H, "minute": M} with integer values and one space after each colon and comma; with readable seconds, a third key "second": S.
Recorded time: {"hour": 9, "minute": 45, "second": 2}
